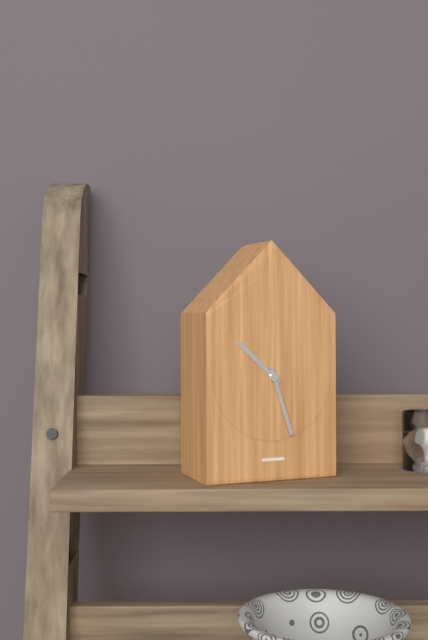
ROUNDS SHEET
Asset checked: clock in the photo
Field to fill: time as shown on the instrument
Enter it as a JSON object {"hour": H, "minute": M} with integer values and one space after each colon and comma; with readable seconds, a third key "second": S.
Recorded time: {"hour": 10, "minute": 27}
